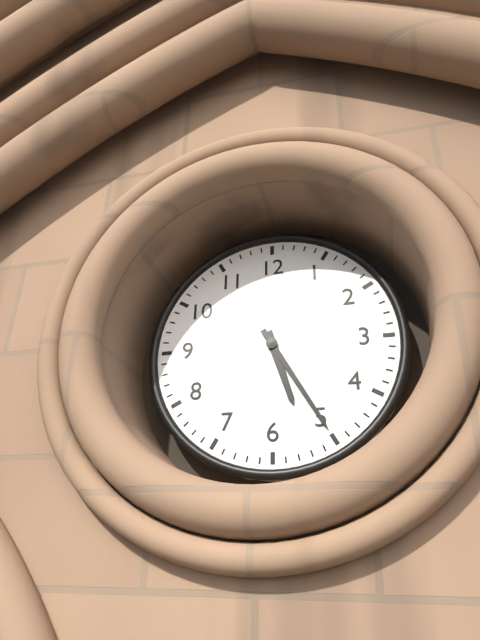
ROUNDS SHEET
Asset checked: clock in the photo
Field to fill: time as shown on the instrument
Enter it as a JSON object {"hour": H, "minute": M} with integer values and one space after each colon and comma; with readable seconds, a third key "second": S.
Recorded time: {"hour": 5, "minute": 25}
